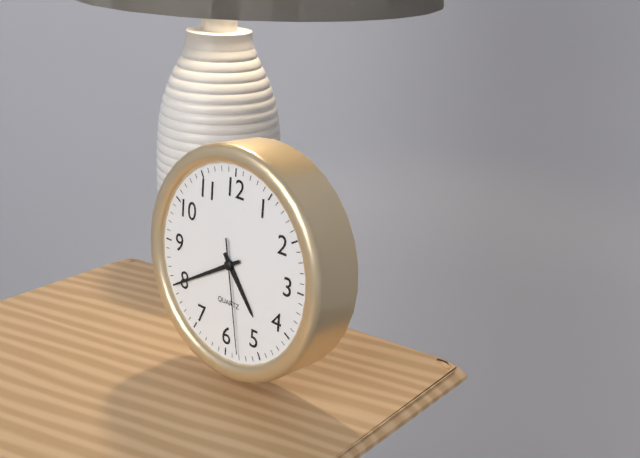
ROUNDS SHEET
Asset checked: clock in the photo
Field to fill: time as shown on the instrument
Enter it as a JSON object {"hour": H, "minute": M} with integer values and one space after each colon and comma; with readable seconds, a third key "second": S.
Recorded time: {"hour": 4, "minute": 40, "second": 28}
